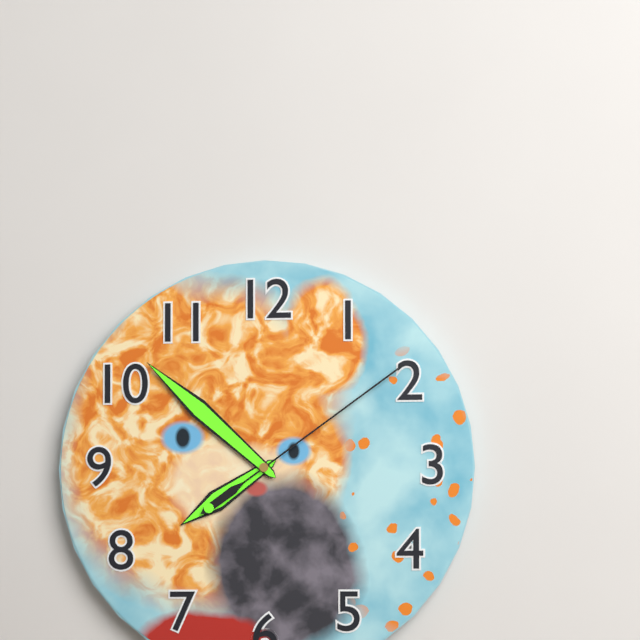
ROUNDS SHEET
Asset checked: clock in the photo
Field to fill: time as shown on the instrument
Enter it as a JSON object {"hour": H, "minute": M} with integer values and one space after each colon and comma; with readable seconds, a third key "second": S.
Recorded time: {"hour": 7, "minute": 52, "second": 9}
